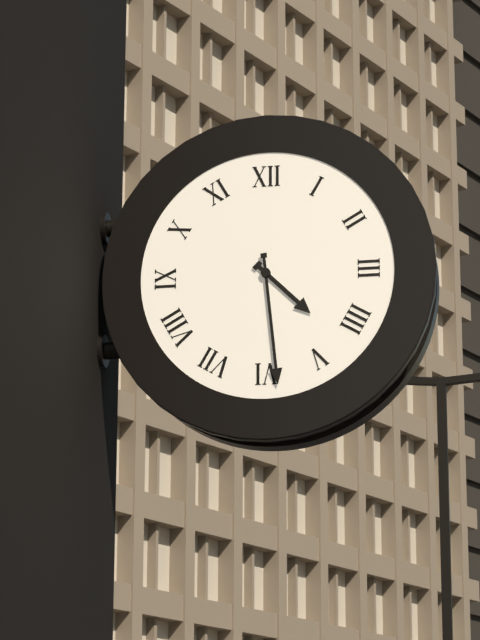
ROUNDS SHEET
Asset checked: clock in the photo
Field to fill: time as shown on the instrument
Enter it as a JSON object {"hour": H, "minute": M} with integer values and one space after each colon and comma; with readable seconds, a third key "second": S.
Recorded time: {"hour": 4, "minute": 29}
